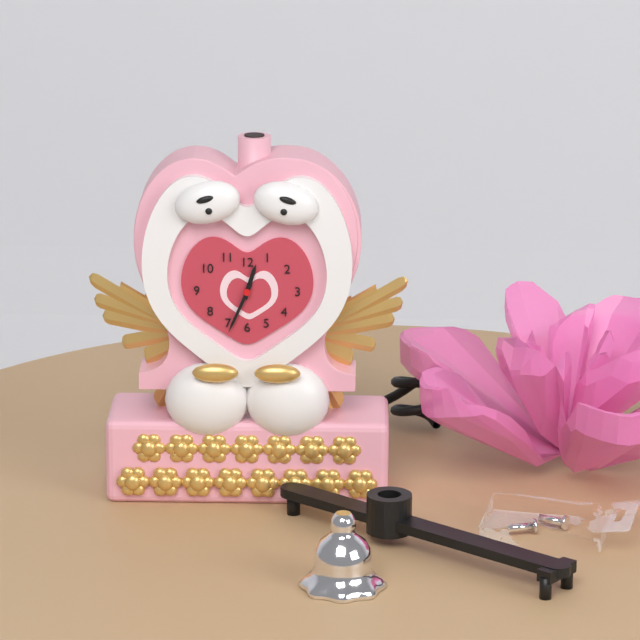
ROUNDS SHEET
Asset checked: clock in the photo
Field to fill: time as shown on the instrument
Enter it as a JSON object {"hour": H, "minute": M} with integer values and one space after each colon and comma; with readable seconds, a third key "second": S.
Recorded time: {"hour": 12, "minute": 34}
